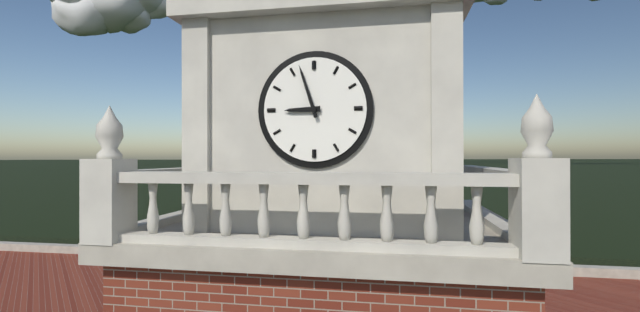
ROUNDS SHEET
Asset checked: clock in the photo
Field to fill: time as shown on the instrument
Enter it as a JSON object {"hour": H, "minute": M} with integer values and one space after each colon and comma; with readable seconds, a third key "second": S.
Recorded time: {"hour": 8, "minute": 57}
